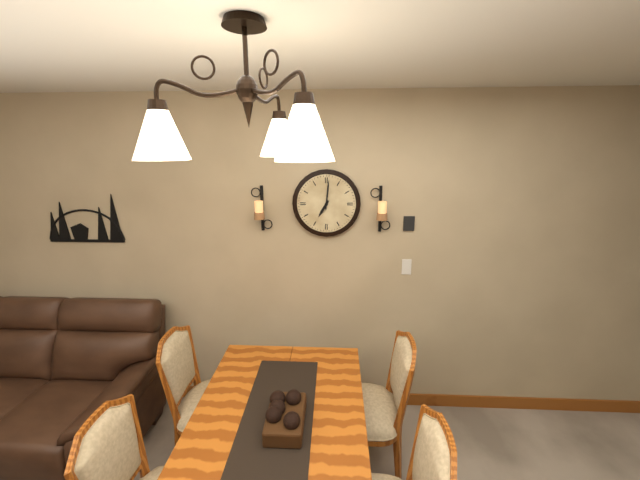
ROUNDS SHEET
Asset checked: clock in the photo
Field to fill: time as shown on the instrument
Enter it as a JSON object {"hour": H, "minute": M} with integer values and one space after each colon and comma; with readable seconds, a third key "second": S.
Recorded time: {"hour": 7, "minute": 1}
